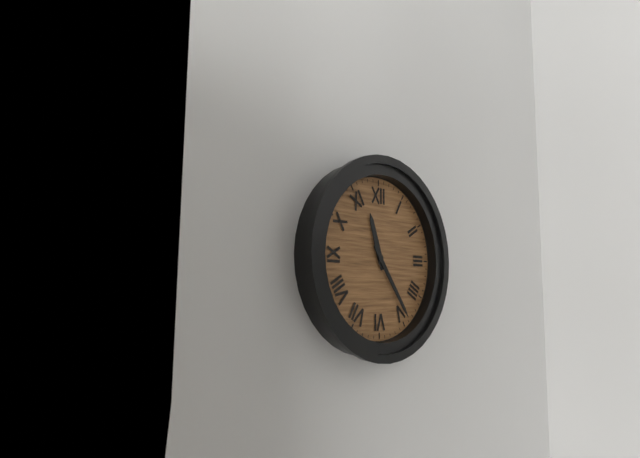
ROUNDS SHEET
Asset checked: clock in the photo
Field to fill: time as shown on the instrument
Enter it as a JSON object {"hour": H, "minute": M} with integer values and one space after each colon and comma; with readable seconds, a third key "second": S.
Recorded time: {"hour": 11, "minute": 24}
